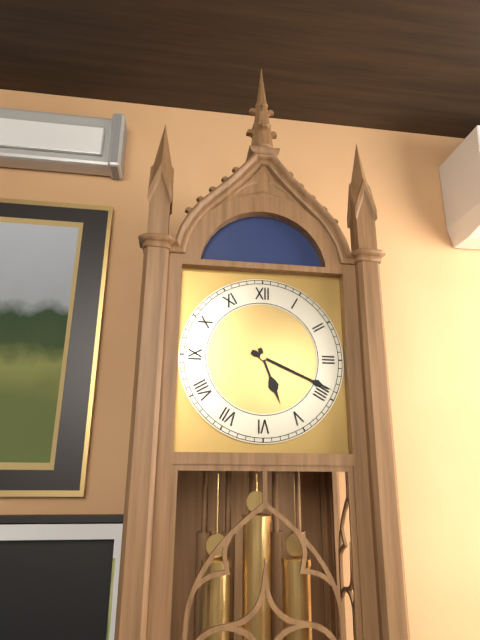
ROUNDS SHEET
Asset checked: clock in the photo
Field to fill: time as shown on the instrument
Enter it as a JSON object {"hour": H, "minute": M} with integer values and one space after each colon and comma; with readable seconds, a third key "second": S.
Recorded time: {"hour": 5, "minute": 19}
